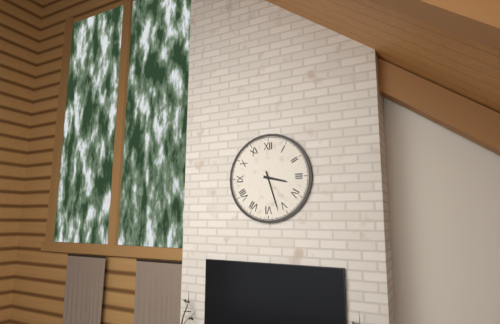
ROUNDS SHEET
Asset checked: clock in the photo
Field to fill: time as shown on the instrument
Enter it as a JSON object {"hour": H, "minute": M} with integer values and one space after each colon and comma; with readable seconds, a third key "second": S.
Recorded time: {"hour": 3, "minute": 27}
